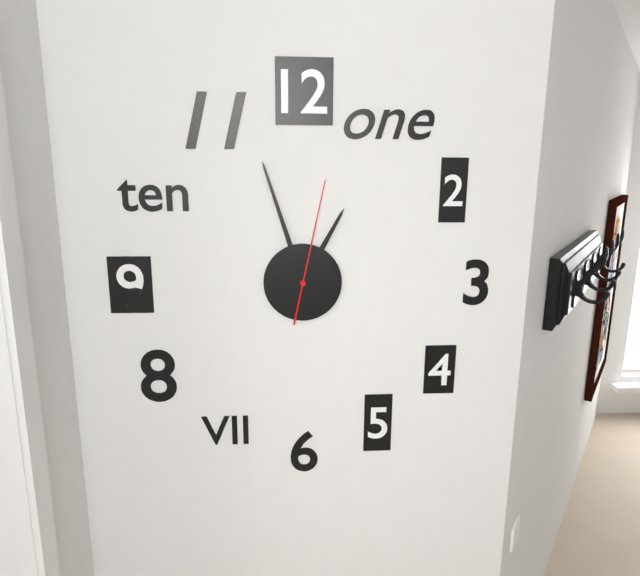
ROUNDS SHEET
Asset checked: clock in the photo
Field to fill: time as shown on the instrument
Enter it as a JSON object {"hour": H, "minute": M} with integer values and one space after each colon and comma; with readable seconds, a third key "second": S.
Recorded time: {"hour": 12, "minute": 57, "second": 2}
